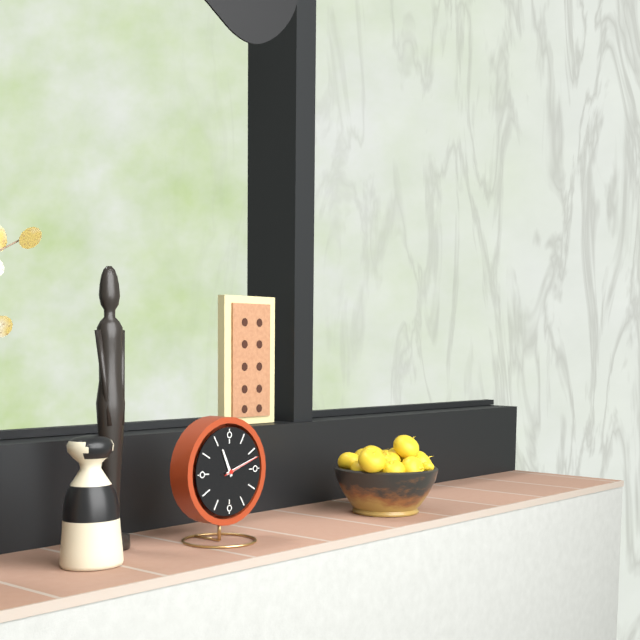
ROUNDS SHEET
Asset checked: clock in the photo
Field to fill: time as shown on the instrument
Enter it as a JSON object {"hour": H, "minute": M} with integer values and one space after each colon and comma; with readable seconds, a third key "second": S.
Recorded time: {"hour": 11, "minute": 12}
